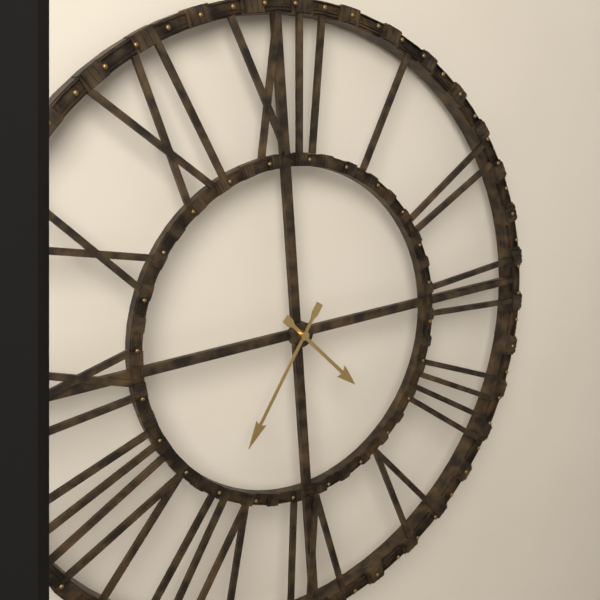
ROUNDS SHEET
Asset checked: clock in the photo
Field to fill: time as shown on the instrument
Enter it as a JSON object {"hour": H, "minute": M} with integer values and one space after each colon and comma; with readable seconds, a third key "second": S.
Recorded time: {"hour": 4, "minute": 36}
